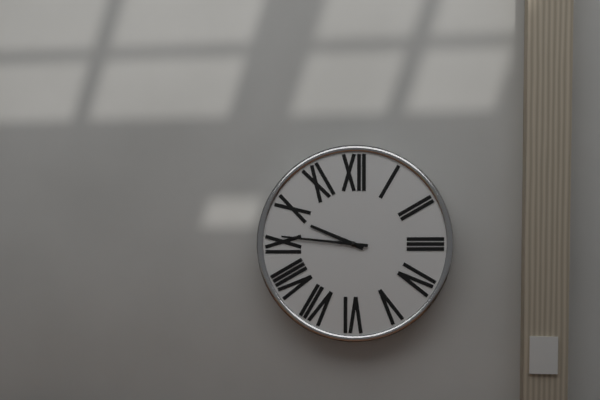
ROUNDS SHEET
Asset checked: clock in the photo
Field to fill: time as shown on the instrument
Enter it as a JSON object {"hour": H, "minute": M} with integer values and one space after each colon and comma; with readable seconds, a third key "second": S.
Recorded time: {"hour": 9, "minute": 46}
